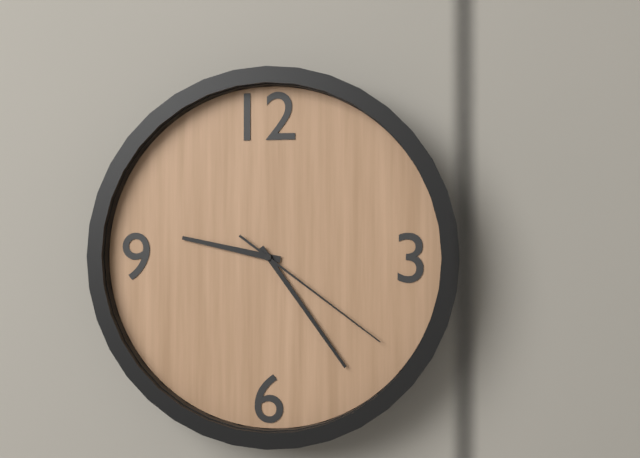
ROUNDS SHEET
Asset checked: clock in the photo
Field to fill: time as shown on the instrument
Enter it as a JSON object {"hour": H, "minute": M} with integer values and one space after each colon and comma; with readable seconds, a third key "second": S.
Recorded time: {"hour": 9, "minute": 24, "second": 21}
